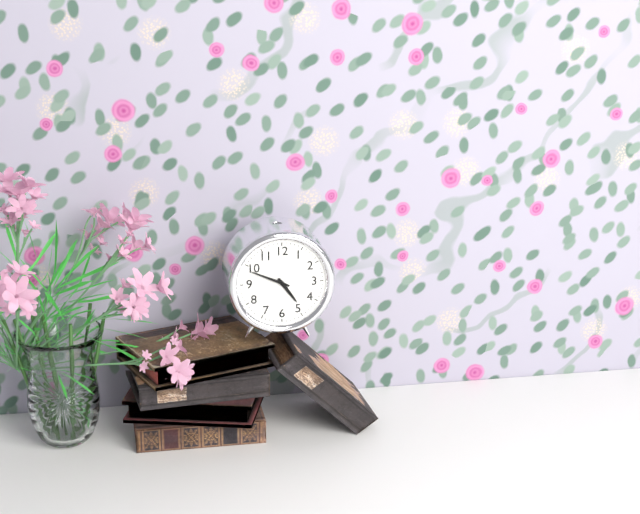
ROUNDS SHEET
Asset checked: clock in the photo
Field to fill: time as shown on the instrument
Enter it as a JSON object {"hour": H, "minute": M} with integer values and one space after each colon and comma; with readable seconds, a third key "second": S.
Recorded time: {"hour": 4, "minute": 49}
